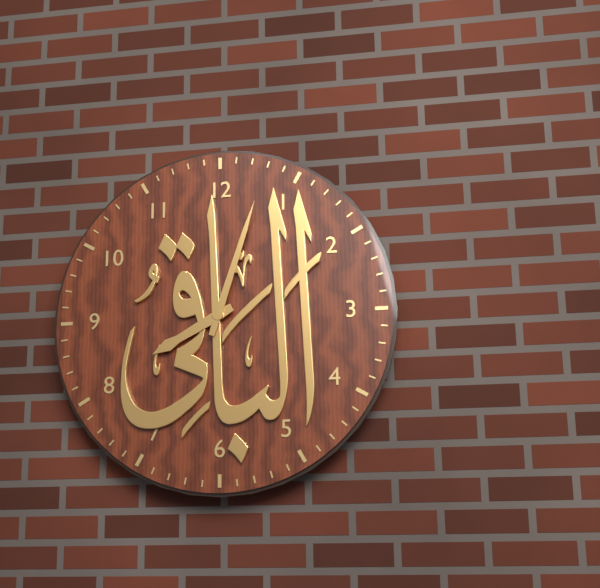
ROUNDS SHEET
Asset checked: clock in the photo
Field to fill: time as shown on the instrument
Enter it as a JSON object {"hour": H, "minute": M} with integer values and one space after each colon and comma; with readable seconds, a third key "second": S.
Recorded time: {"hour": 8, "minute": 3}
